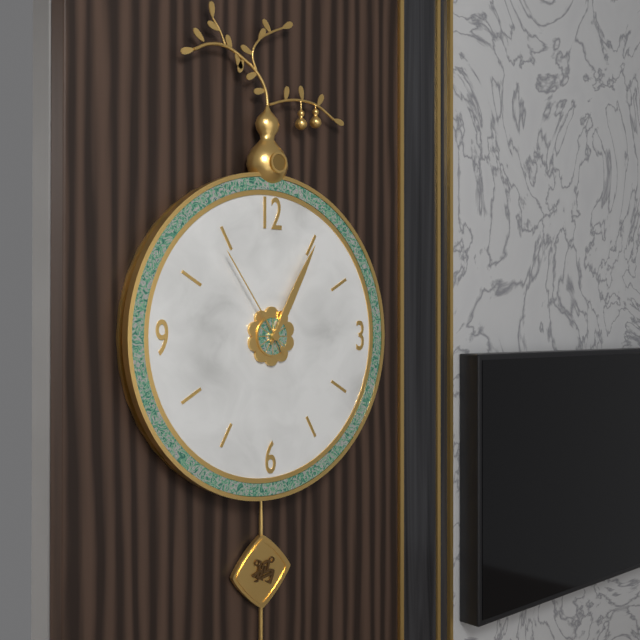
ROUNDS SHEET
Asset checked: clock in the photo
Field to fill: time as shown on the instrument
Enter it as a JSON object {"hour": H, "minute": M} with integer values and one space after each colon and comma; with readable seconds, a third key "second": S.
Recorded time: {"hour": 1, "minute": 5, "second": 54}
